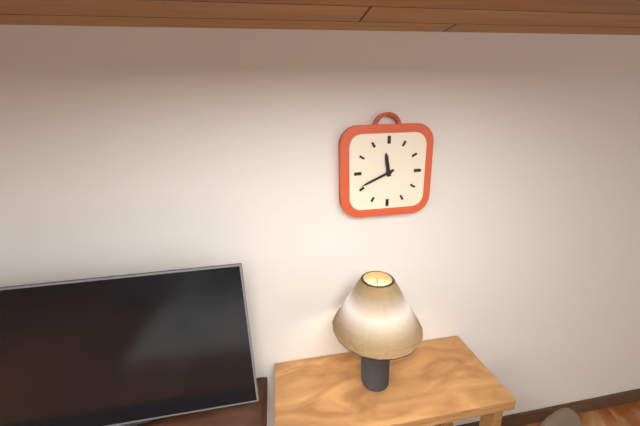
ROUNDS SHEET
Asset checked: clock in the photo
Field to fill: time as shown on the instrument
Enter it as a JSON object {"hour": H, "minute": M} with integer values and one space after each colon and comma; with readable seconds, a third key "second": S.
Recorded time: {"hour": 11, "minute": 41}
